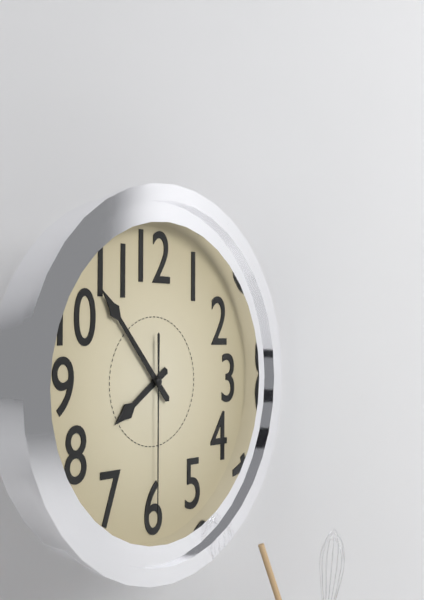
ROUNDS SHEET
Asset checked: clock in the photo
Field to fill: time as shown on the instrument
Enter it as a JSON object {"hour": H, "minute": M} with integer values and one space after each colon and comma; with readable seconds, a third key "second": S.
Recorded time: {"hour": 7, "minute": 53, "second": 30}
